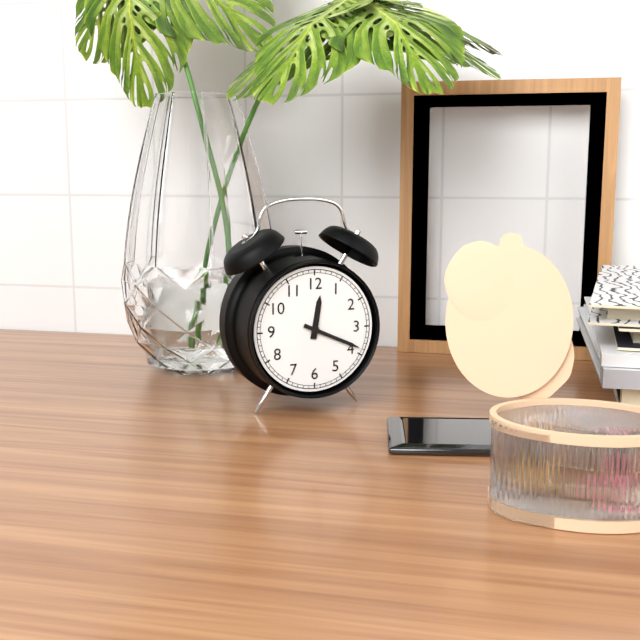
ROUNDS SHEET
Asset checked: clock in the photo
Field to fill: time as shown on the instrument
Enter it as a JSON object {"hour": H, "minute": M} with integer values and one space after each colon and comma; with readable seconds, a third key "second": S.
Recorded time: {"hour": 12, "minute": 19}
